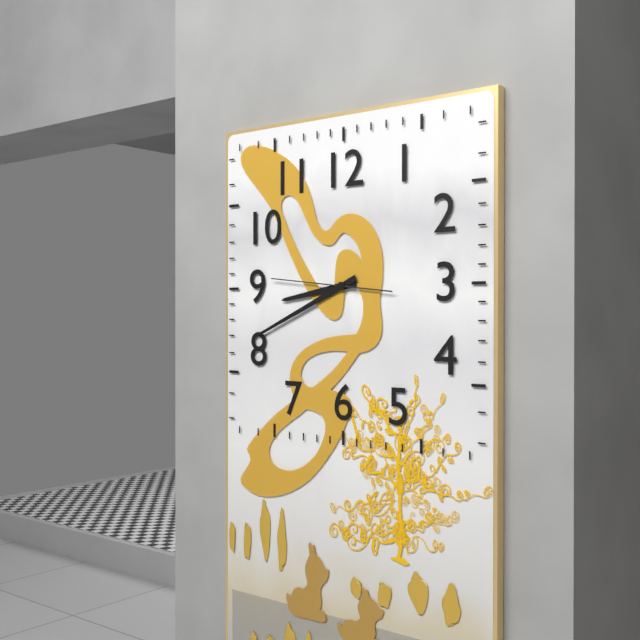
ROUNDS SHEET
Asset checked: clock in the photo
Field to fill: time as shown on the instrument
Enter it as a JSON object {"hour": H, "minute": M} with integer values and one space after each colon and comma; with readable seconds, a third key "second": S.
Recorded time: {"hour": 8, "minute": 41, "second": 46}
